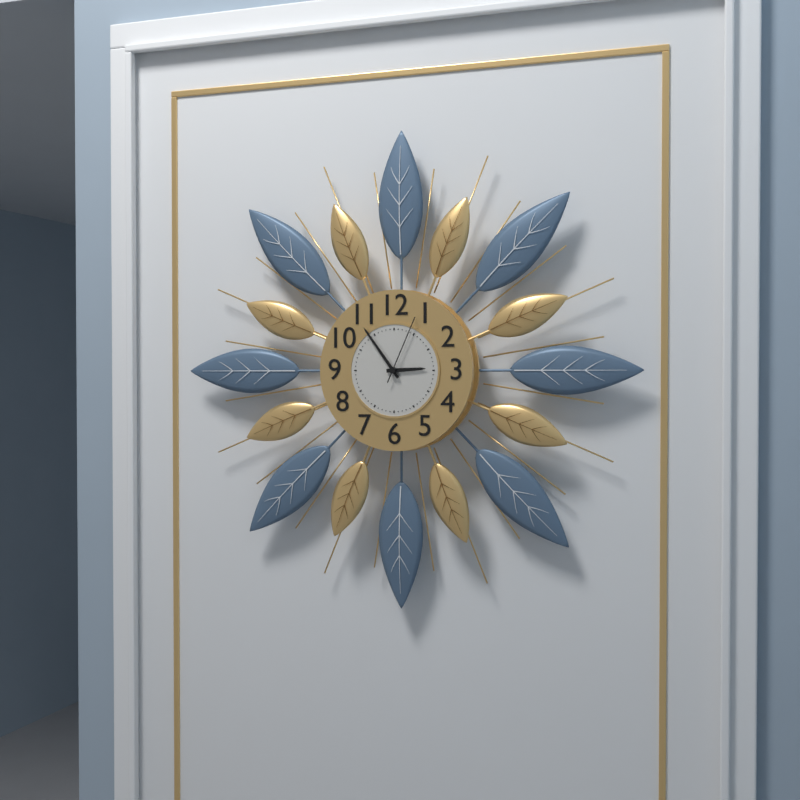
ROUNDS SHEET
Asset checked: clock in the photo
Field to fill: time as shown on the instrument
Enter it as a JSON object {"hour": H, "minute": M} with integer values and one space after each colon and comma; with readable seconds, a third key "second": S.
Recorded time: {"hour": 2, "minute": 54, "second": 4}
